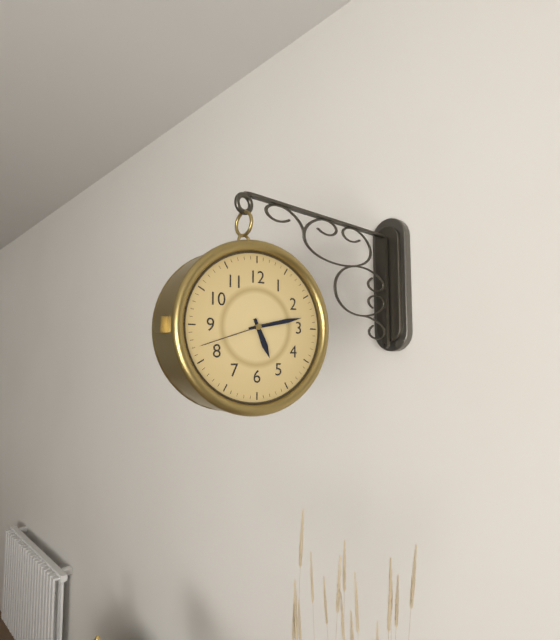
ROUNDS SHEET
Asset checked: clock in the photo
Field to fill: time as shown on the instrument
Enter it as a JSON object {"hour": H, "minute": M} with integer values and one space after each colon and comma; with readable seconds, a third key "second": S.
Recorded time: {"hour": 5, "minute": 13, "second": 42}
